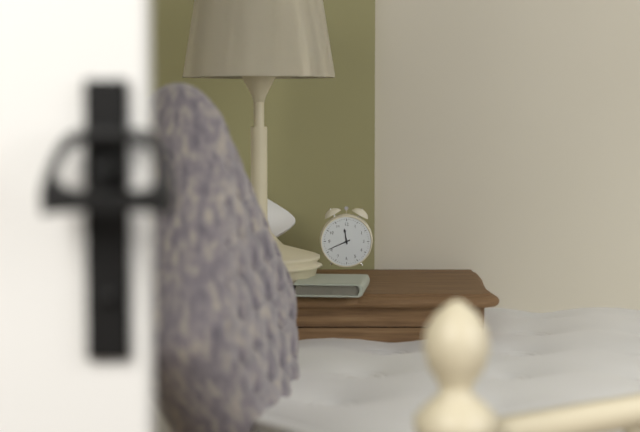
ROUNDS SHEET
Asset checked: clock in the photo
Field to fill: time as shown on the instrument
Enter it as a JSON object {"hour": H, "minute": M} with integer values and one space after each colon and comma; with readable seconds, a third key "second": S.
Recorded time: {"hour": 11, "minute": 41}
